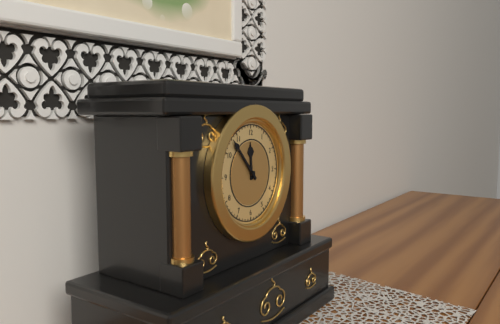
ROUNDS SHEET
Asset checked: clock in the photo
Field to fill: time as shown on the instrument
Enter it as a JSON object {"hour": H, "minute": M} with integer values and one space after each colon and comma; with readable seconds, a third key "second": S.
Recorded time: {"hour": 11, "minute": 53}
